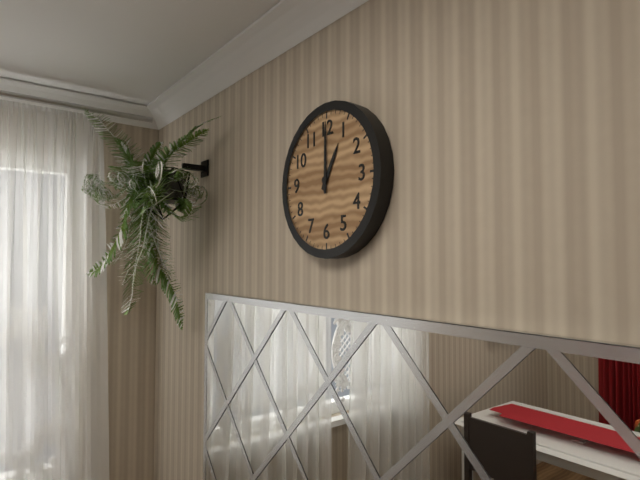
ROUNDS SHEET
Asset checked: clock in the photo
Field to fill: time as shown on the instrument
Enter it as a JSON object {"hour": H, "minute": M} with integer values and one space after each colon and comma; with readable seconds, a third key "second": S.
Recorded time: {"hour": 1, "minute": 0}
